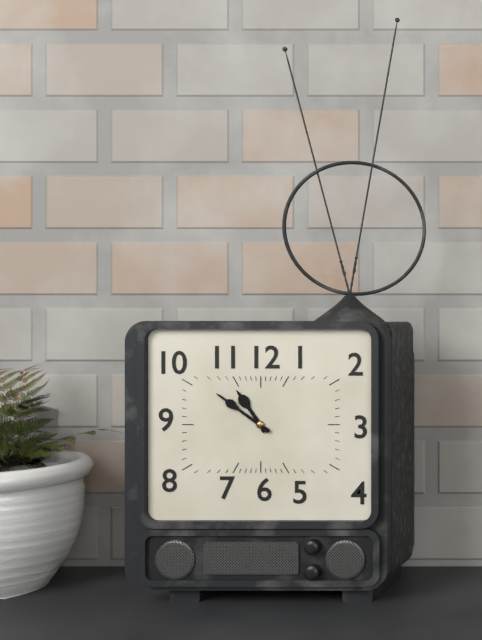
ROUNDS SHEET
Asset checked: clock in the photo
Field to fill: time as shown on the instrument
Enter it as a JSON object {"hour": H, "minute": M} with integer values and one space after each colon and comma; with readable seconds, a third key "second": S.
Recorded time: {"hour": 10, "minute": 51}
